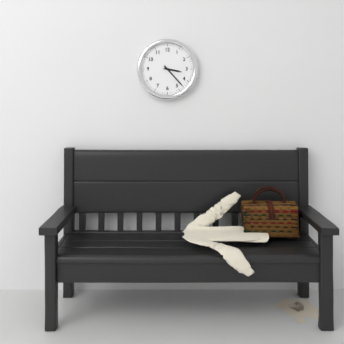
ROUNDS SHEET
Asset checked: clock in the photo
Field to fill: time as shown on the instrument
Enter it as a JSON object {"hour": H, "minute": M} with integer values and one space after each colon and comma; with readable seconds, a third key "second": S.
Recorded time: {"hour": 3, "minute": 23}
